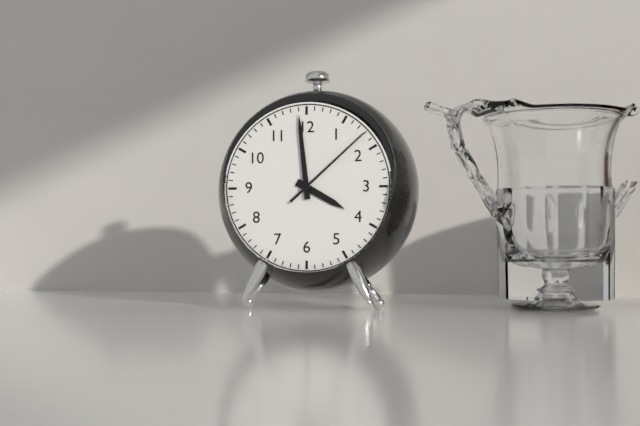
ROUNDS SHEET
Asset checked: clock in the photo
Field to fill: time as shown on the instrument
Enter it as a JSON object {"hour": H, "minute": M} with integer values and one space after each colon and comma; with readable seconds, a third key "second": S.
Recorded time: {"hour": 3, "minute": 59, "second": 8}
